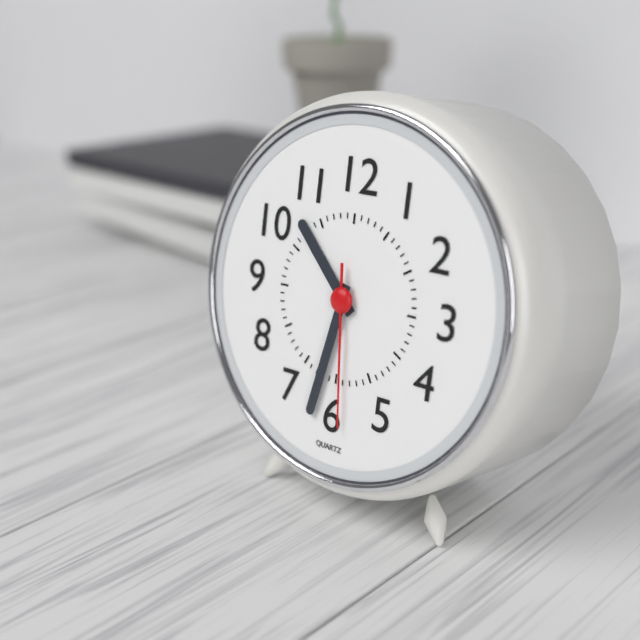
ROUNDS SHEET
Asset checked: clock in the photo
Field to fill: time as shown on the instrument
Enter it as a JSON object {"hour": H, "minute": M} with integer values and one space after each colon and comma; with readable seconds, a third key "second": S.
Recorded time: {"hour": 10, "minute": 32, "second": 29}
